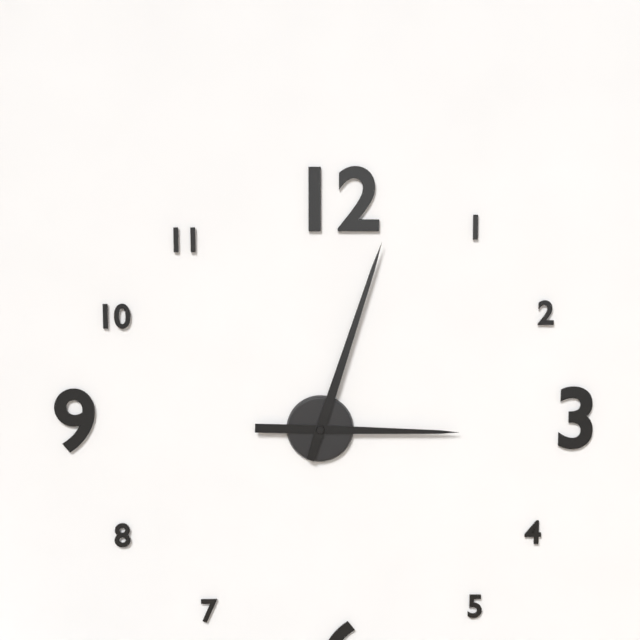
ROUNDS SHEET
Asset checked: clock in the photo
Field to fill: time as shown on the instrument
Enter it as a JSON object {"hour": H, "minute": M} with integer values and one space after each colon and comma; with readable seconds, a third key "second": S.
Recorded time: {"hour": 3, "minute": 3}
